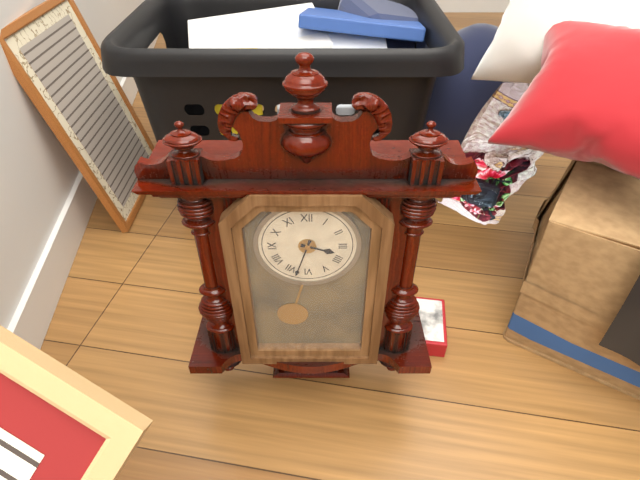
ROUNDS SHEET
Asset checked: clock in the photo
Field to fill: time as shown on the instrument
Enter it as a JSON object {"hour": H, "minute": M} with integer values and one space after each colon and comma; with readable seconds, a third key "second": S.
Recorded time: {"hour": 3, "minute": 33}
